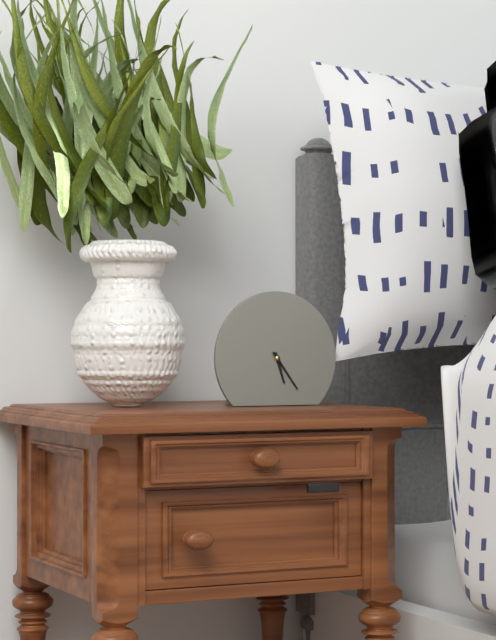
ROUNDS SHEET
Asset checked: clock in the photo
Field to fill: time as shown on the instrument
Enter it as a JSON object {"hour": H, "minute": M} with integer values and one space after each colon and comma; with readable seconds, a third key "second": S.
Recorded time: {"hour": 5, "minute": 24}
